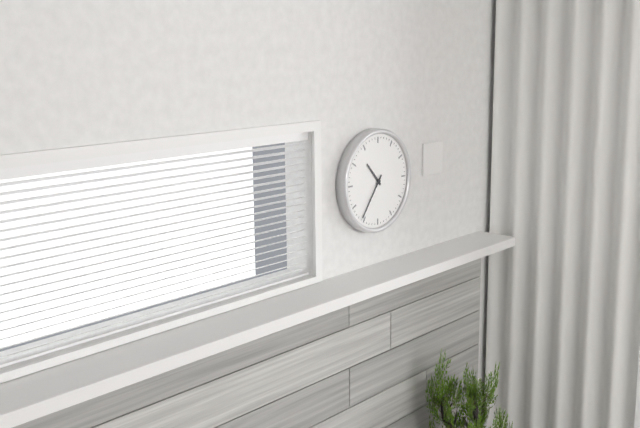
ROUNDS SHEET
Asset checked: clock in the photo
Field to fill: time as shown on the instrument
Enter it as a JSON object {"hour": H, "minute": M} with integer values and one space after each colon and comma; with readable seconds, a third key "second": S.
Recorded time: {"hour": 10, "minute": 36}
